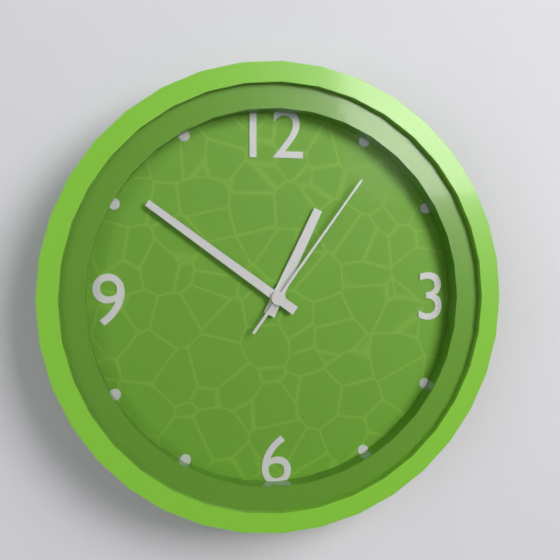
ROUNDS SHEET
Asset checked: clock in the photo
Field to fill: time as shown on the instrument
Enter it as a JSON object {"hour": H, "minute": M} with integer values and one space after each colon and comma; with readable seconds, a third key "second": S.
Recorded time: {"hour": 12, "minute": 51, "second": 6}
